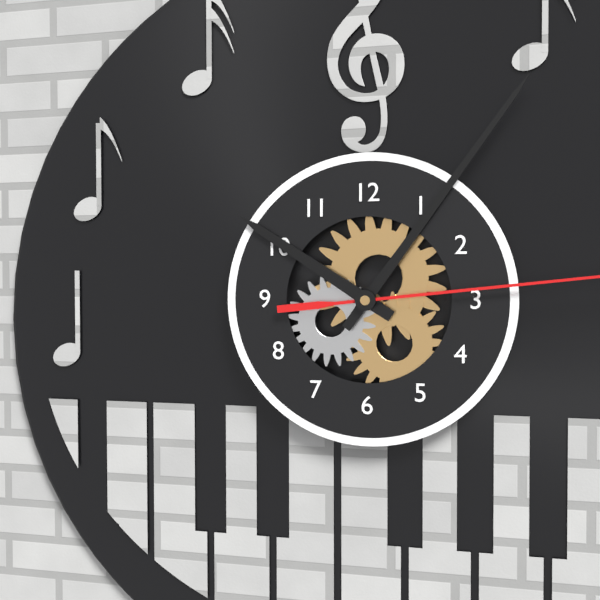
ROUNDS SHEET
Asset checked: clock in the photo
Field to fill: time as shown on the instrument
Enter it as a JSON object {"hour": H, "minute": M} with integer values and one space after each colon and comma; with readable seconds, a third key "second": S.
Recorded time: {"hour": 10, "minute": 6}
